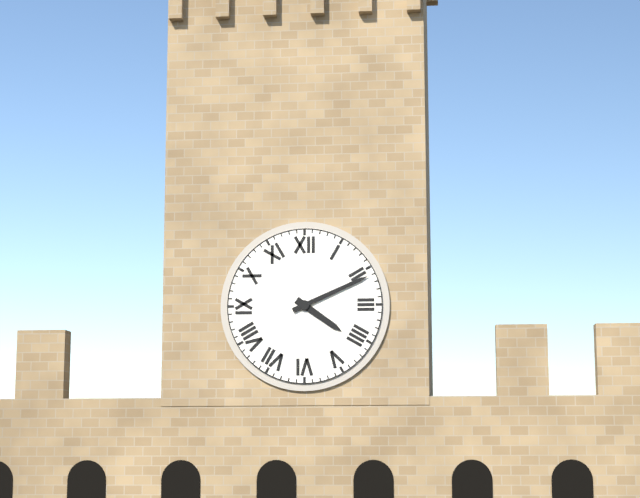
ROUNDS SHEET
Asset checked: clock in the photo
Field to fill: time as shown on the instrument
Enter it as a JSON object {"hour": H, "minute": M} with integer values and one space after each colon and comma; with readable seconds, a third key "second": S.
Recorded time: {"hour": 4, "minute": 11}
